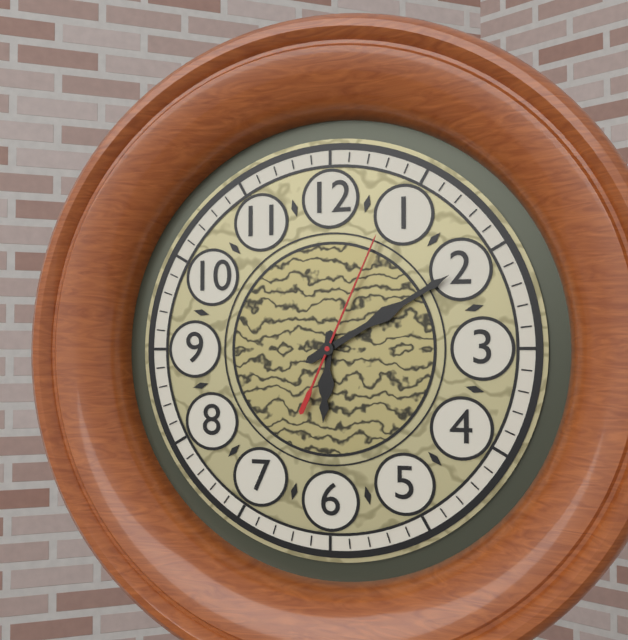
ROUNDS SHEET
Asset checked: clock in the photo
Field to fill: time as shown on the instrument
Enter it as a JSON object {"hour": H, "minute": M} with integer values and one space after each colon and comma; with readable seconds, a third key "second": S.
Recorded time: {"hour": 6, "minute": 10, "second": 4}
